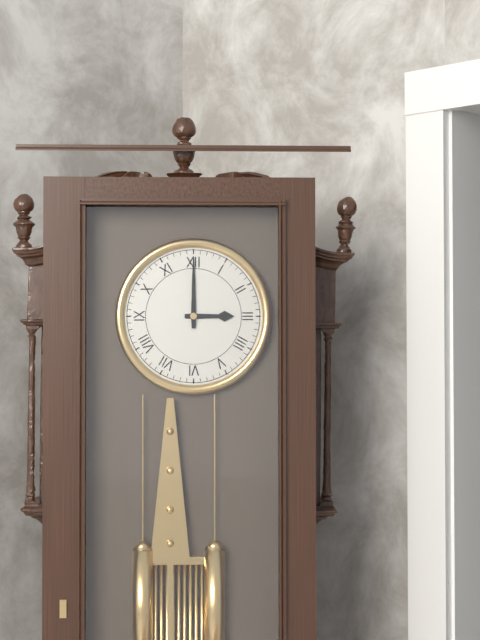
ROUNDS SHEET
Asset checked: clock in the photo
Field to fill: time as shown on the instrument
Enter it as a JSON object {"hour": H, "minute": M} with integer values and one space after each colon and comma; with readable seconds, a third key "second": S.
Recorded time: {"hour": 3, "minute": 0}
